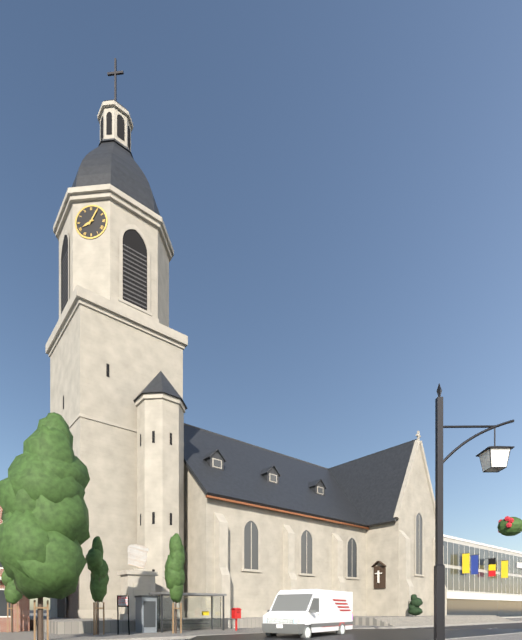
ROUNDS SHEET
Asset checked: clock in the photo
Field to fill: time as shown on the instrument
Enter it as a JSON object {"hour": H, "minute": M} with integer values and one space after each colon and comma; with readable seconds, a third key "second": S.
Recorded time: {"hour": 8, "minute": 5}
